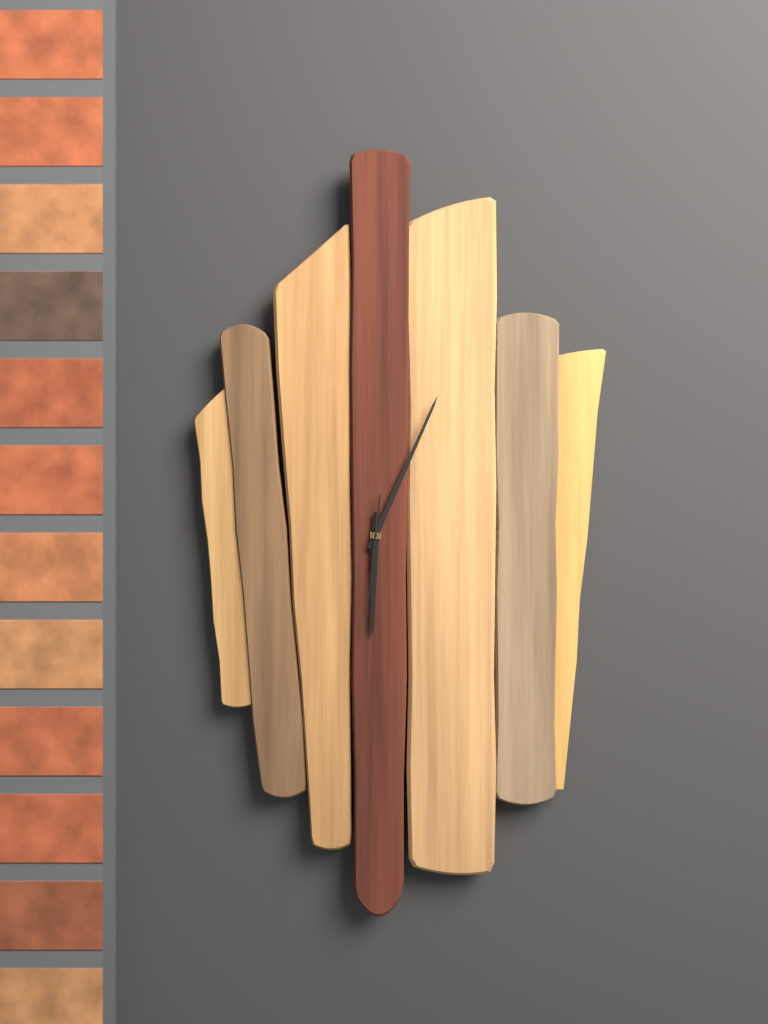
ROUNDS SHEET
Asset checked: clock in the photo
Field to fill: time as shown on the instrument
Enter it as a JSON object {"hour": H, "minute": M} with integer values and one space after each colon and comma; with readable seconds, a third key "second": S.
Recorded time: {"hour": 6, "minute": 4, "second": 31}
